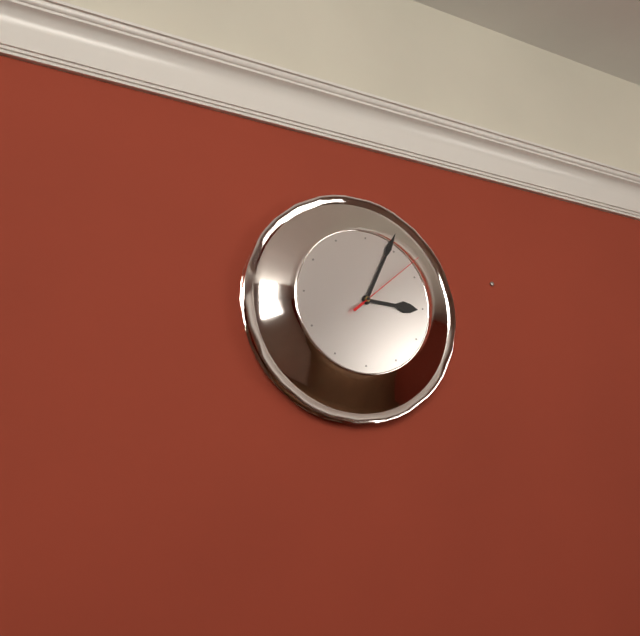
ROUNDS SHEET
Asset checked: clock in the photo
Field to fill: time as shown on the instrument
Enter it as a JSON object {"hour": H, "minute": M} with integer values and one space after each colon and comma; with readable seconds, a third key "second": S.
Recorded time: {"hour": 3, "minute": 4, "second": 8}
